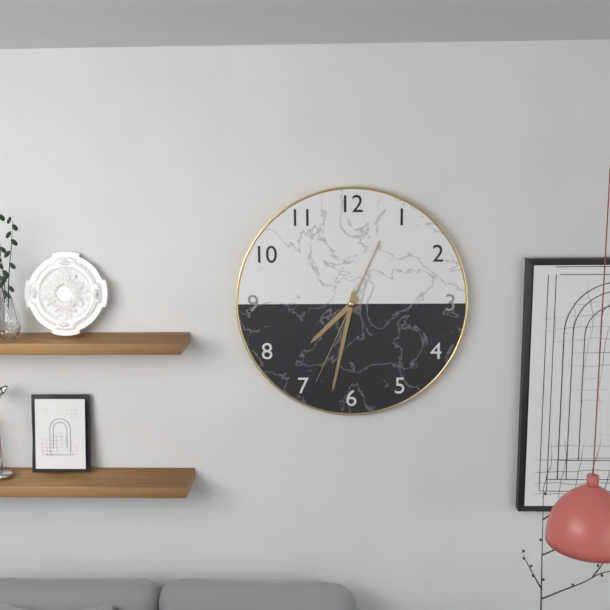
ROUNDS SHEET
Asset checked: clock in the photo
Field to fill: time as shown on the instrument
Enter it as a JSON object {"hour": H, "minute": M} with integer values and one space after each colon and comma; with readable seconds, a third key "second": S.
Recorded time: {"hour": 7, "minute": 32, "second": 34}
